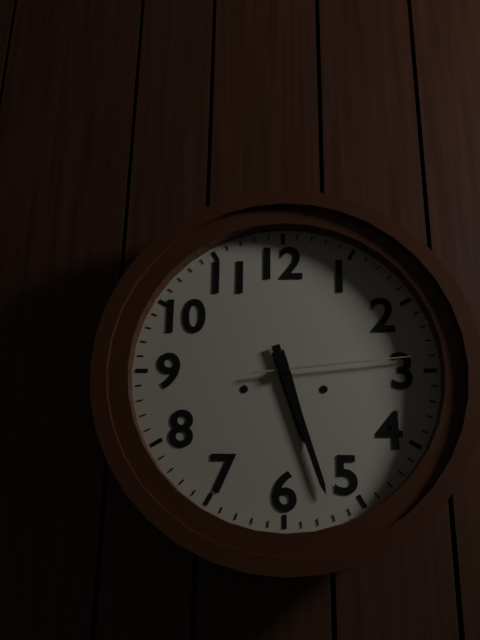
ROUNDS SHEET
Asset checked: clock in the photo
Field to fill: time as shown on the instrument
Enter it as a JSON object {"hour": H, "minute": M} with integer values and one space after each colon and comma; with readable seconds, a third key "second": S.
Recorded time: {"hour": 5, "minute": 27, "second": 14}
